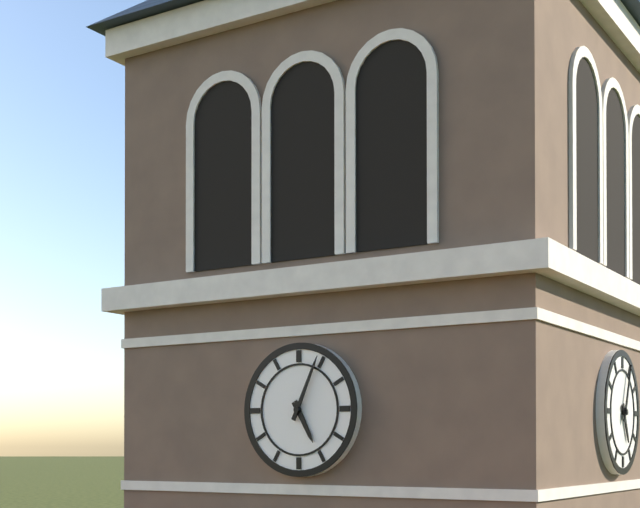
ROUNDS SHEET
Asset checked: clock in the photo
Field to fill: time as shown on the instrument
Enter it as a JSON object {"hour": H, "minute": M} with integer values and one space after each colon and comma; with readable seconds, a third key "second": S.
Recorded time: {"hour": 5, "minute": 4}
